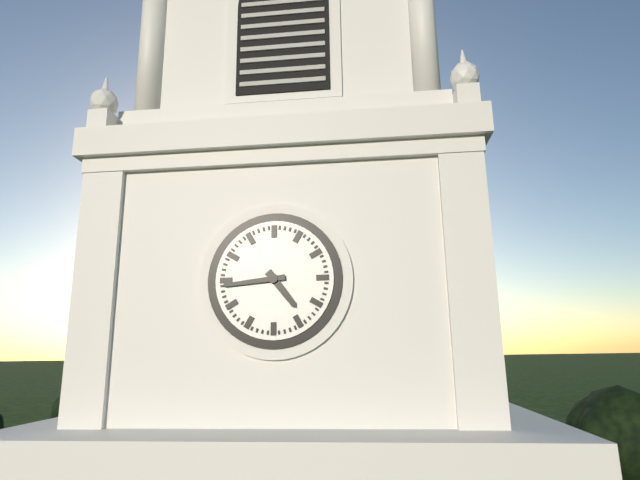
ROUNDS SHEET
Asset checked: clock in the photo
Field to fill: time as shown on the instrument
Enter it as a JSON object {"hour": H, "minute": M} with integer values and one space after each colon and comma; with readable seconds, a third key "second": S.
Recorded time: {"hour": 4, "minute": 44}
